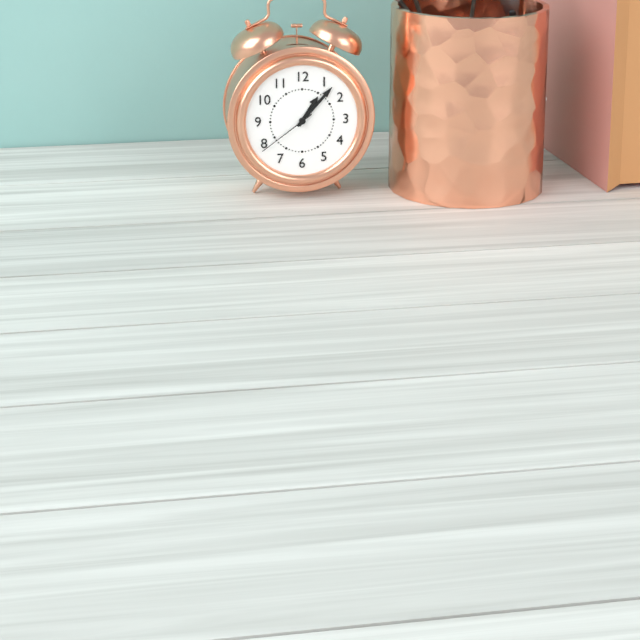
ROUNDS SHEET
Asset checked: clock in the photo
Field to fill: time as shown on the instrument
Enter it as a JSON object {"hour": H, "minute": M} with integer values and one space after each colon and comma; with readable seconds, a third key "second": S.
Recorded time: {"hour": 1, "minute": 7, "second": 39}
